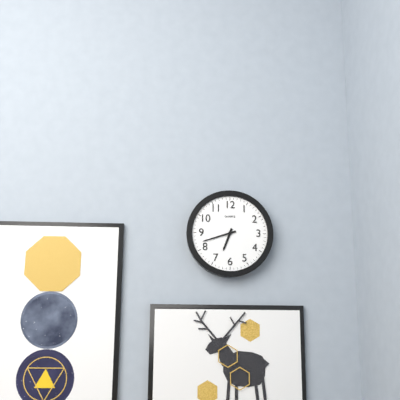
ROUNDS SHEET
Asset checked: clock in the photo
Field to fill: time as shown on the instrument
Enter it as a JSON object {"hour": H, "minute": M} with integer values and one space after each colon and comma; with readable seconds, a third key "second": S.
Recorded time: {"hour": 6, "minute": 42}
